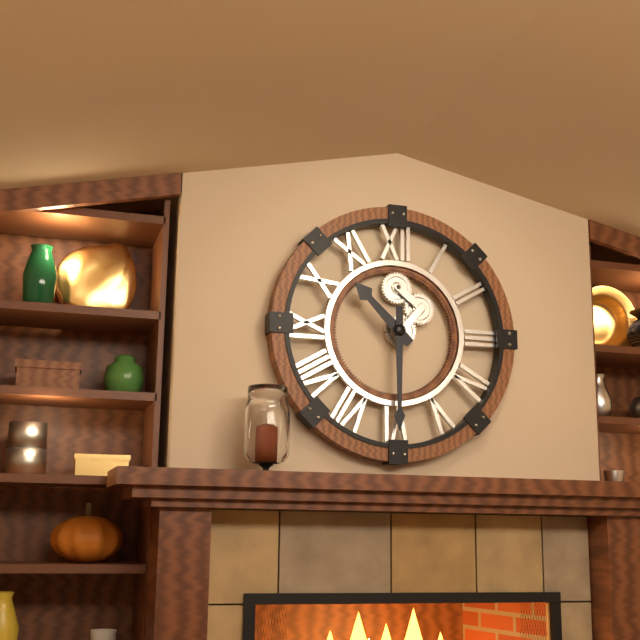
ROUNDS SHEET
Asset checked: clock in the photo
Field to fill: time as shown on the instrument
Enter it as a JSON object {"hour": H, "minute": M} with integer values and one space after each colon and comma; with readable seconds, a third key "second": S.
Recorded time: {"hour": 10, "minute": 30}
